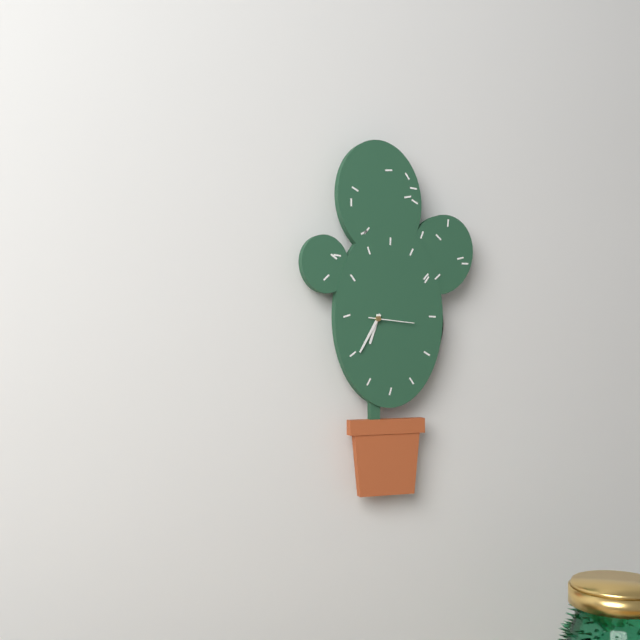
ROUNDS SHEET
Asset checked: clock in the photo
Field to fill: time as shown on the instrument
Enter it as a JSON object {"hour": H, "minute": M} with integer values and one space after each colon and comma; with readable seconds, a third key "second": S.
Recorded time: {"hour": 6, "minute": 35}
